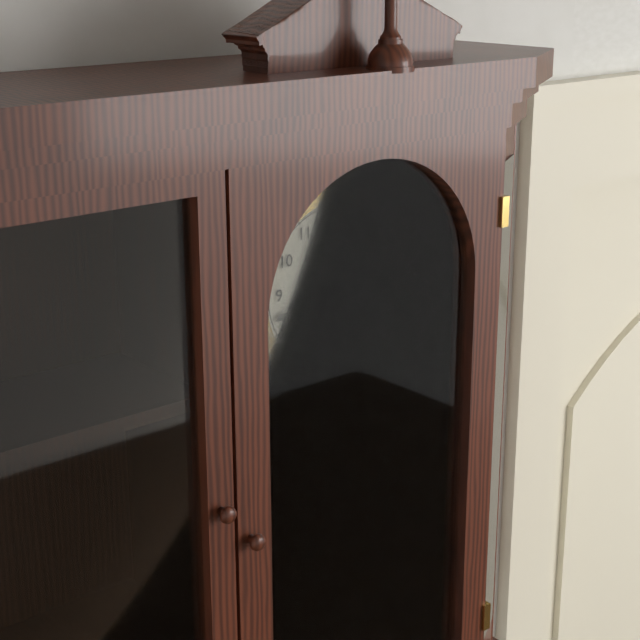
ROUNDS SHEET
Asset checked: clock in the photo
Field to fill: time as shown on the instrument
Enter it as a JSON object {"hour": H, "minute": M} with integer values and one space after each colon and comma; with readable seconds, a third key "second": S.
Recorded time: {"hour": 7, "minute": 42}
